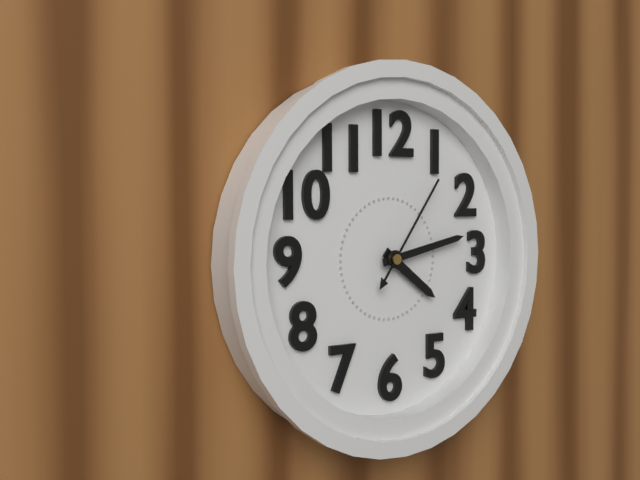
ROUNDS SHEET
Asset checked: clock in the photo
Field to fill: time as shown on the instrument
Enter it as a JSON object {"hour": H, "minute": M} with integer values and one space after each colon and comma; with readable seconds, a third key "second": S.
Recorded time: {"hour": 4, "minute": 13, "second": 6}
